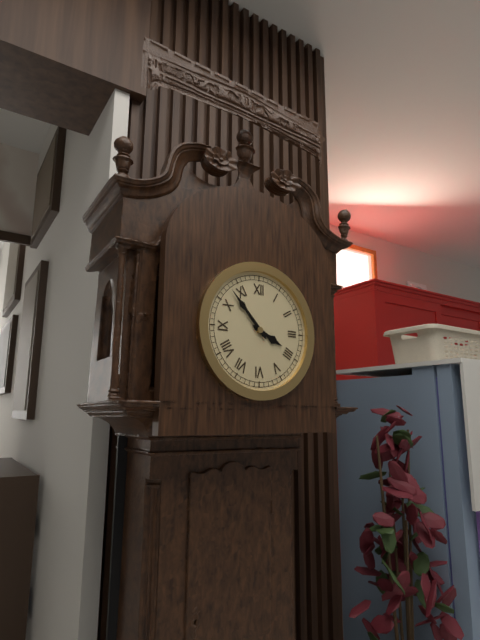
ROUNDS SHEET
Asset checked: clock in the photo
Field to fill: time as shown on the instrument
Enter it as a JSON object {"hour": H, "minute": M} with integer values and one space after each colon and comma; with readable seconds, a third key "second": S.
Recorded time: {"hour": 3, "minute": 53}
